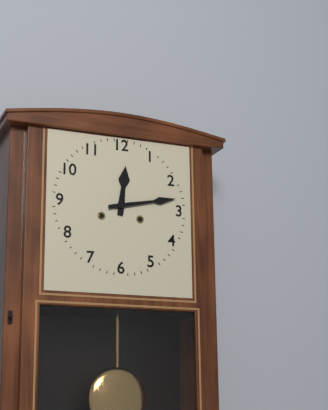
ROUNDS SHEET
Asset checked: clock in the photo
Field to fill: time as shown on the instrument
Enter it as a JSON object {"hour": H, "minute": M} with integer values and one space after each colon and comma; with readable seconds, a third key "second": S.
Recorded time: {"hour": 12, "minute": 13}
